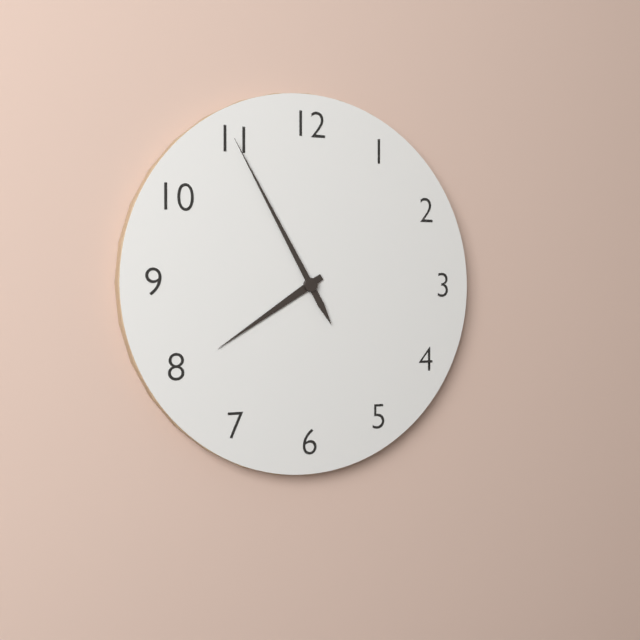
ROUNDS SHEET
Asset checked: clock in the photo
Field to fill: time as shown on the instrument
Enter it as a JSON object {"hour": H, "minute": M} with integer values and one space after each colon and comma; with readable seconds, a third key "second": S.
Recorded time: {"hour": 7, "minute": 55}
